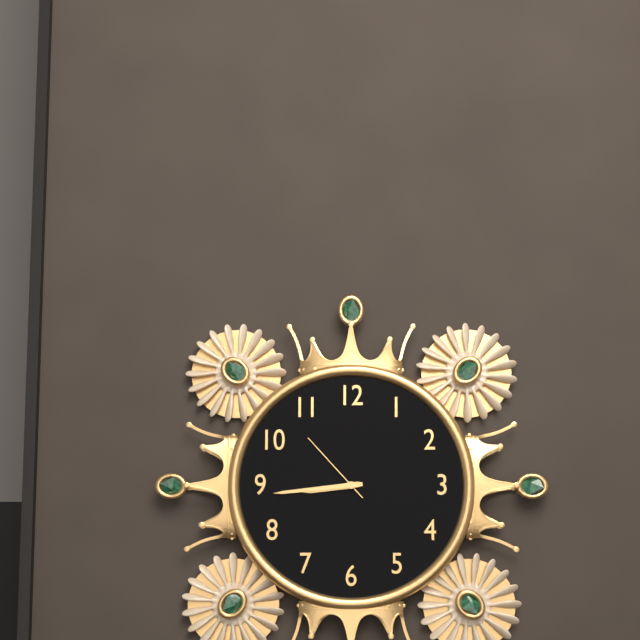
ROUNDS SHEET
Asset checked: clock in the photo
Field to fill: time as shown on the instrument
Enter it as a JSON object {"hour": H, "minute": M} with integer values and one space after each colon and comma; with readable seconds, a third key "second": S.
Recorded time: {"hour": 8, "minute": 44, "second": 53}
